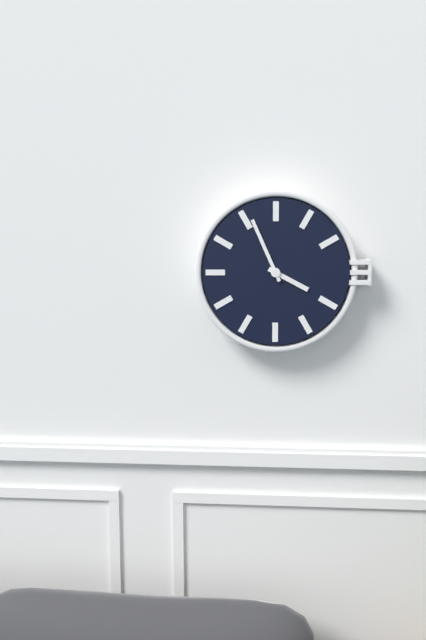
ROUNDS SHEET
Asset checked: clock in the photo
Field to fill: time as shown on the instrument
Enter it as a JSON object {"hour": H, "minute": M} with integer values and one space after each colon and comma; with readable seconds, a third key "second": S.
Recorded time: {"hour": 3, "minute": 56}
